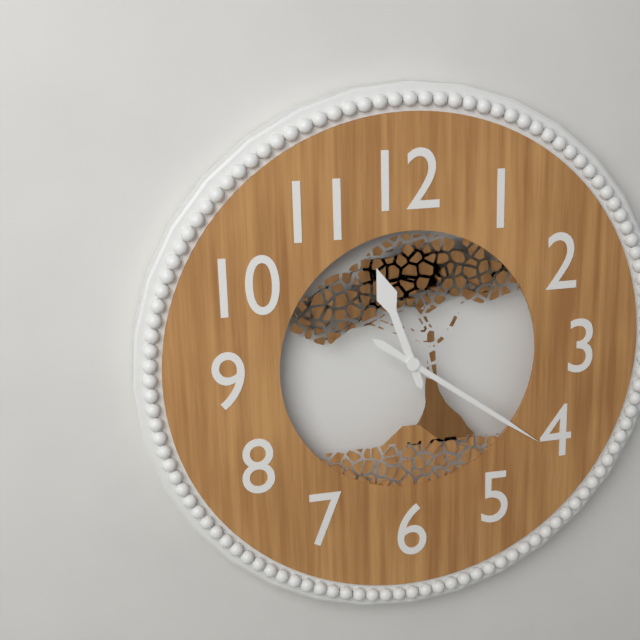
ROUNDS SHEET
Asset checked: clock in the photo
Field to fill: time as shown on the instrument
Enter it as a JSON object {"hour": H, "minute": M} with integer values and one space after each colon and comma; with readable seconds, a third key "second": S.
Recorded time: {"hour": 11, "minute": 21}
